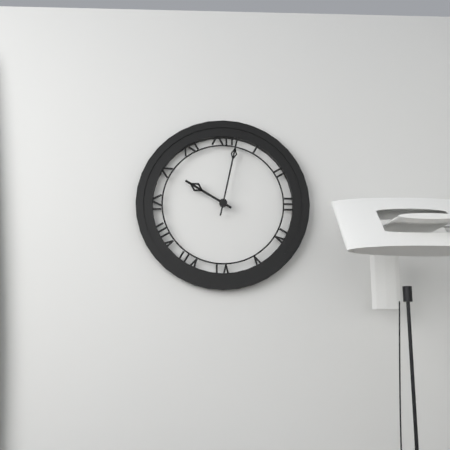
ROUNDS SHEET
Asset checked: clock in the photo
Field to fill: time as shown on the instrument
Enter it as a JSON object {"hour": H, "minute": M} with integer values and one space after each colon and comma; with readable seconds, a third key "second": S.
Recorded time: {"hour": 10, "minute": 2}
